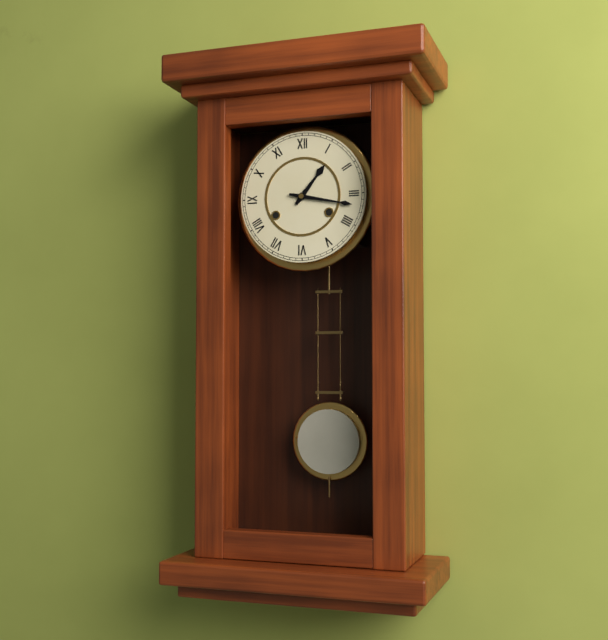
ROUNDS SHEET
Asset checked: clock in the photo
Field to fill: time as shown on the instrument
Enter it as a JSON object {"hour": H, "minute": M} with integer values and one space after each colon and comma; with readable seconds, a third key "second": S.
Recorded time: {"hour": 1, "minute": 17}
